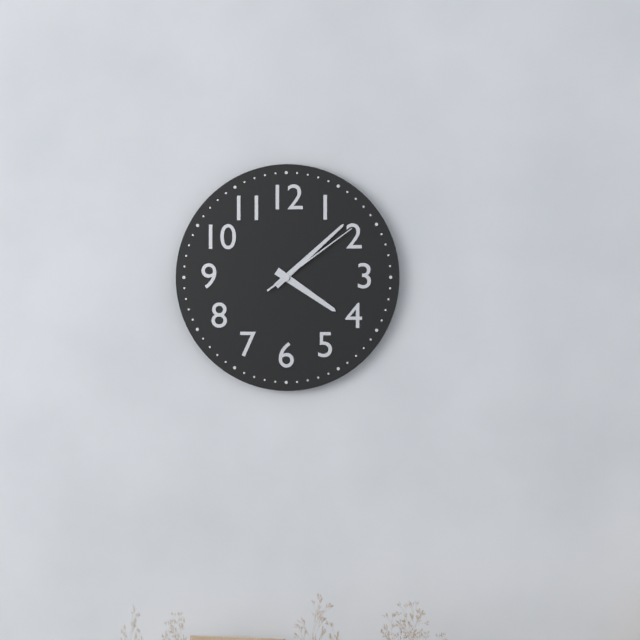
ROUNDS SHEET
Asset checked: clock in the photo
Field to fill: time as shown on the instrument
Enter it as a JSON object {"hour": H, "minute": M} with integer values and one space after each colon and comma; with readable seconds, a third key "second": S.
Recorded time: {"hour": 4, "minute": 8, "second": 9}
